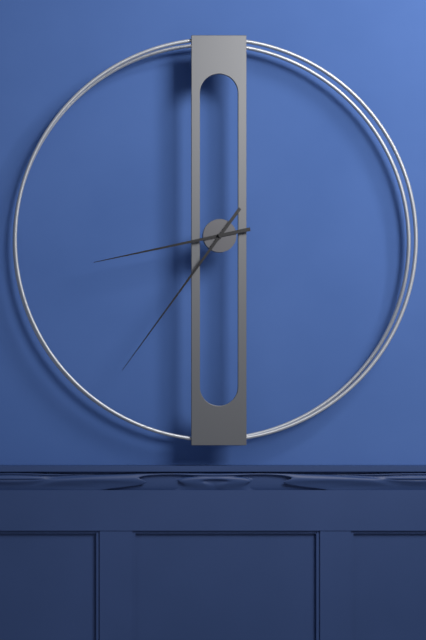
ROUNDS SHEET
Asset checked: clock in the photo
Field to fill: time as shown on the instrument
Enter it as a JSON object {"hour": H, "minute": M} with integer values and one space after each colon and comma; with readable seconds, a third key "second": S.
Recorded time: {"hour": 8, "minute": 36}
